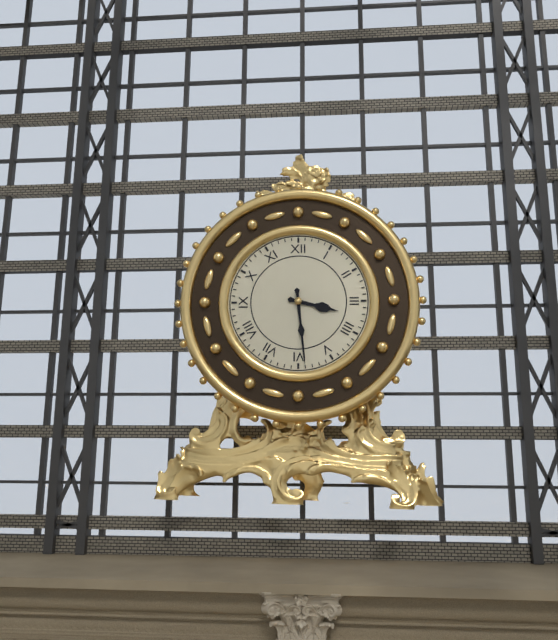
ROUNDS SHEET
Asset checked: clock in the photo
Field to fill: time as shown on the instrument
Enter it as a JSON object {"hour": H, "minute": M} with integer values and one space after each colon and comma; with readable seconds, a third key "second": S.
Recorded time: {"hour": 3, "minute": 29}
